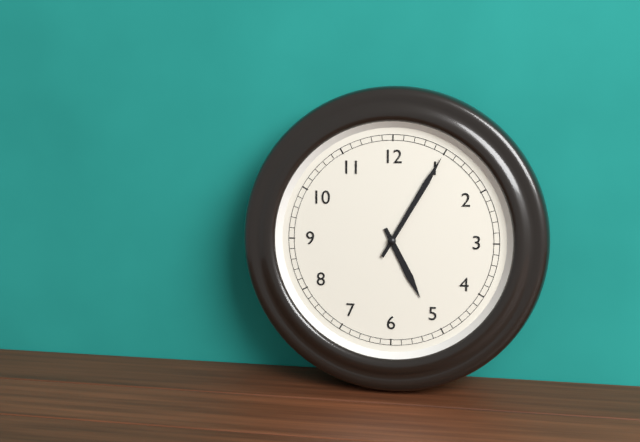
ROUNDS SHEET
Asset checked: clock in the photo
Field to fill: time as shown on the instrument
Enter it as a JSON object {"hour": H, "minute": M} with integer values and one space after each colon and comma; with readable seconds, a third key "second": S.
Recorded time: {"hour": 5, "minute": 5}
